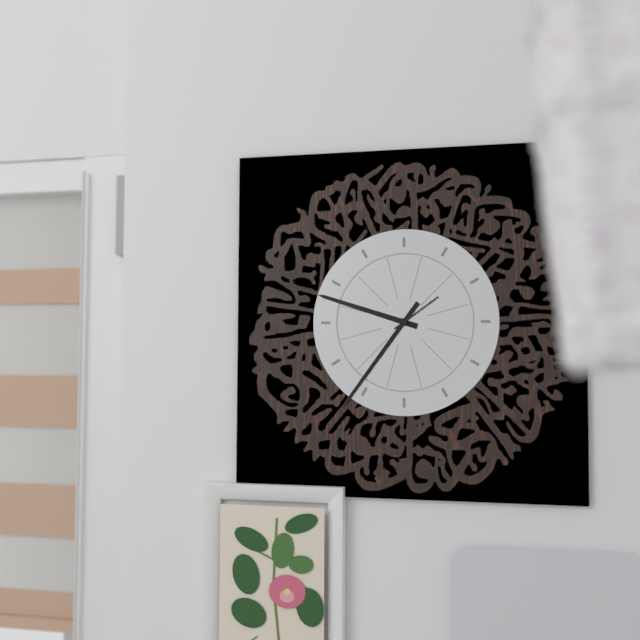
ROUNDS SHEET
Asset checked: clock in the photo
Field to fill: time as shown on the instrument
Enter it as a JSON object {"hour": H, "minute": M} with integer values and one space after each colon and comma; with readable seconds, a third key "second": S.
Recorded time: {"hour": 9, "minute": 36, "second": 9}
